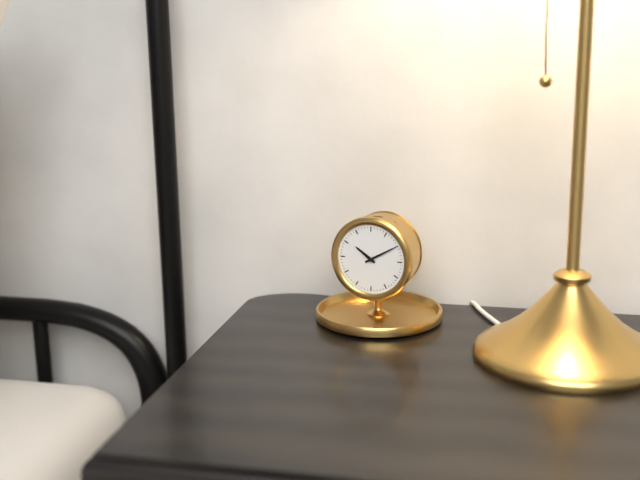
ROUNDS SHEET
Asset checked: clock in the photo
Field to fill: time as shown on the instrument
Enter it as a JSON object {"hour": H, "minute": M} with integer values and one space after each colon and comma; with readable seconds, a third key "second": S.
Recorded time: {"hour": 10, "minute": 10}
